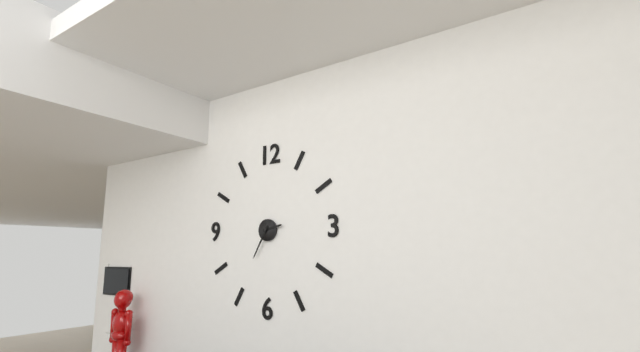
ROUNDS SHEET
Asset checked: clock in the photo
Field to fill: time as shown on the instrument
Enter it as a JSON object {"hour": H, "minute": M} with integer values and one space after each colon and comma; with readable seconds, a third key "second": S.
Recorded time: {"hour": 2, "minute": 35}
